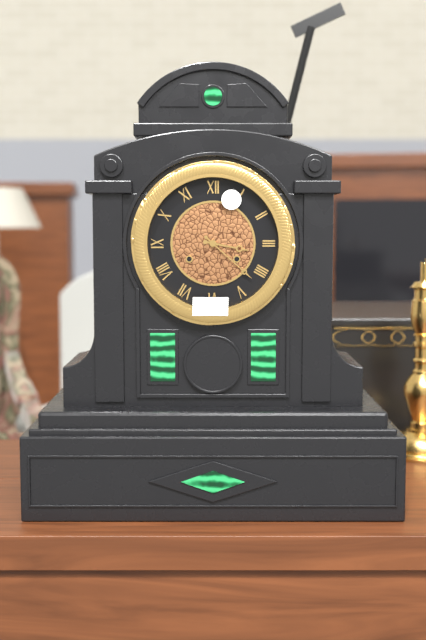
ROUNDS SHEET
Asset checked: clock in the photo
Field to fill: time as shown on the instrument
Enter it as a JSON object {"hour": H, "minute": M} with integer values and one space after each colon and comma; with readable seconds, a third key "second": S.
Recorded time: {"hour": 3, "minute": 22}
